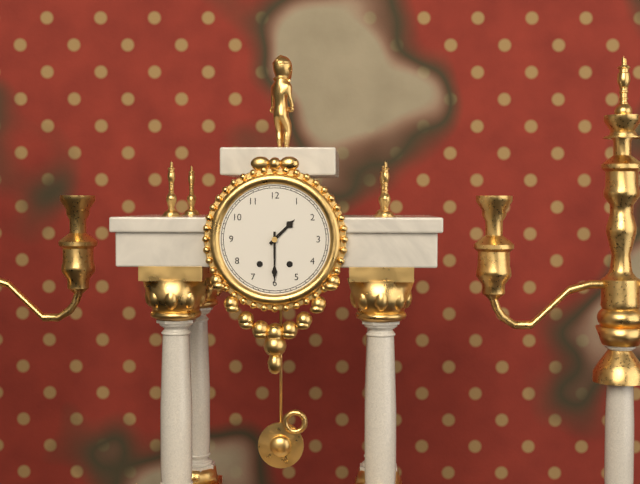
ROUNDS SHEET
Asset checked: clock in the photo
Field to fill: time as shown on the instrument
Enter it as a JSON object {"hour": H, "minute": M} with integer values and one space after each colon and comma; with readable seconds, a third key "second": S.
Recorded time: {"hour": 1, "minute": 30}
